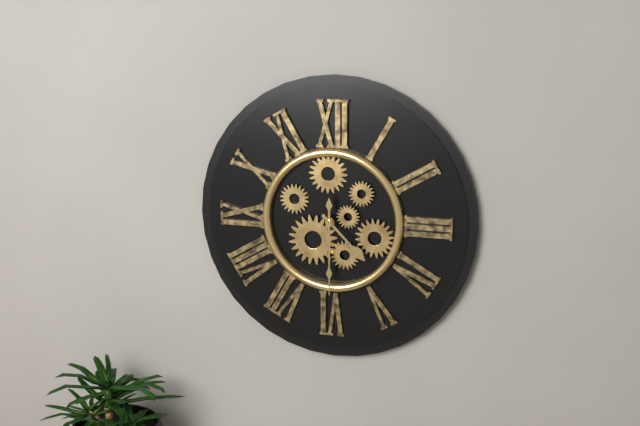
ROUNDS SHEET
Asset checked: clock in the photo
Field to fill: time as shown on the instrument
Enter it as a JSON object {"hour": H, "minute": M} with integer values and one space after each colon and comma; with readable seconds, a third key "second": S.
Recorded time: {"hour": 4, "minute": 30}
